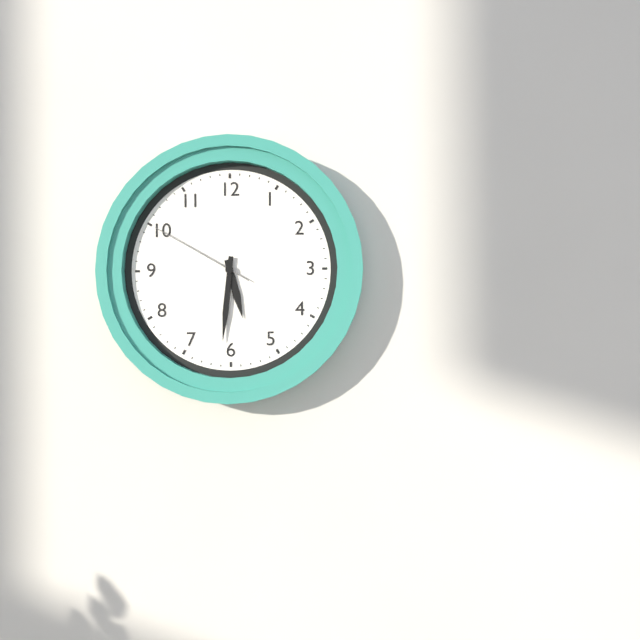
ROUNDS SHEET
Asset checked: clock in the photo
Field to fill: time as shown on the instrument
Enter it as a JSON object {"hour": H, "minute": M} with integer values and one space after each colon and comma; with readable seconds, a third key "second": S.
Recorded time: {"hour": 5, "minute": 31, "second": 50}
